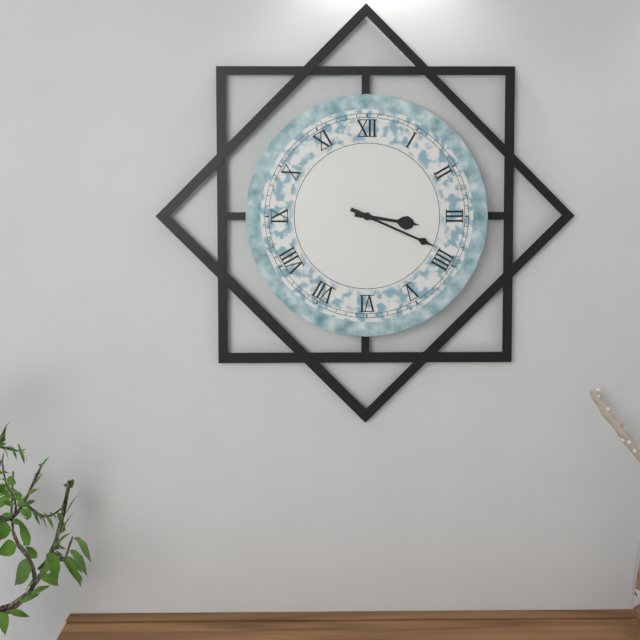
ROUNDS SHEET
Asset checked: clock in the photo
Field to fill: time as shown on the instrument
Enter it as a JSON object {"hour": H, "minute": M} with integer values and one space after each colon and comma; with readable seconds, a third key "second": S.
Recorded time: {"hour": 3, "minute": 19}
